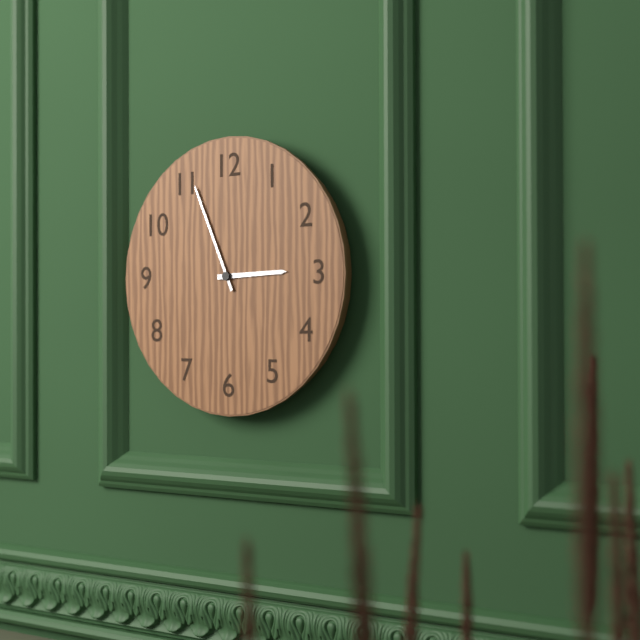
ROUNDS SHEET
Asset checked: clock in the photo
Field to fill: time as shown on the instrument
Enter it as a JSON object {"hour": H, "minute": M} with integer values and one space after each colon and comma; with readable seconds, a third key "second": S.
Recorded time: {"hour": 2, "minute": 56}
